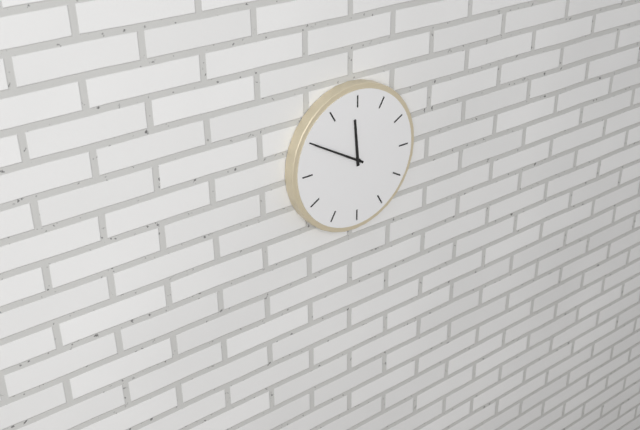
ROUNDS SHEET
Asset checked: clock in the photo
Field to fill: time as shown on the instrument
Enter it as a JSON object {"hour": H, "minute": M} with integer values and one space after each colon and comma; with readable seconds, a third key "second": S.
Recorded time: {"hour": 11, "minute": 50}
